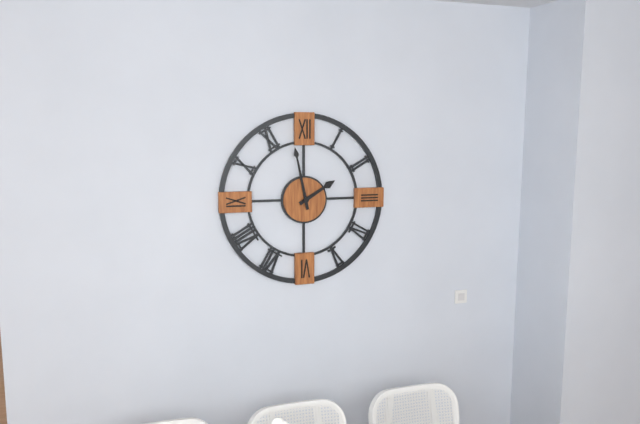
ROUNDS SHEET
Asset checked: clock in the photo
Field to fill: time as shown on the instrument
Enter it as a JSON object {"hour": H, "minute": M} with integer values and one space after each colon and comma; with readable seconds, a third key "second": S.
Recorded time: {"hour": 1, "minute": 58}
